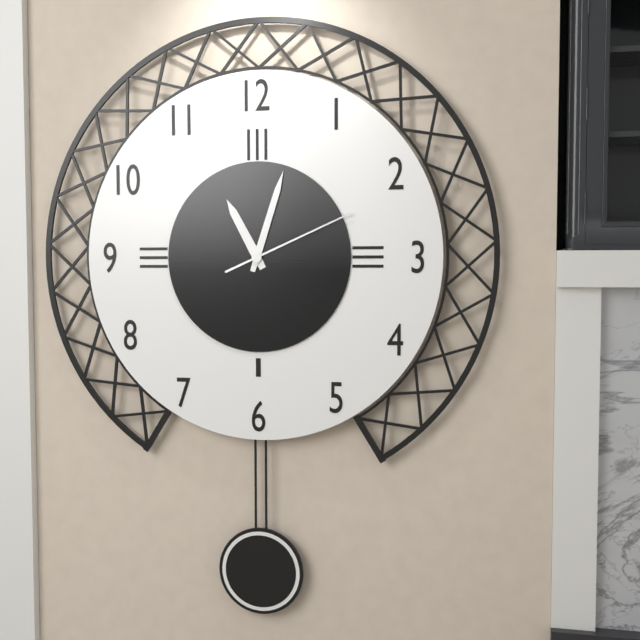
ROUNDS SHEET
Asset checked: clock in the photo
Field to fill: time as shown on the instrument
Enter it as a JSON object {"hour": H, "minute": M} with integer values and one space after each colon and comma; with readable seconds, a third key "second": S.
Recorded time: {"hour": 11, "minute": 3, "second": 11}
